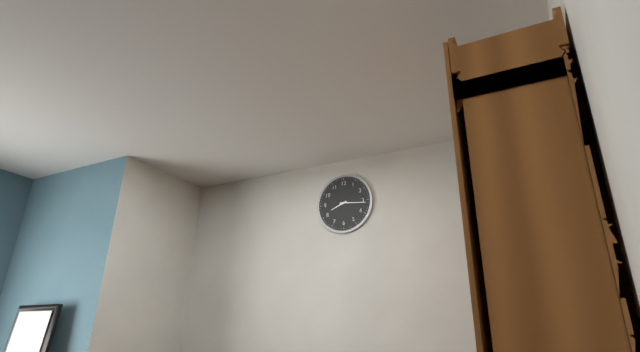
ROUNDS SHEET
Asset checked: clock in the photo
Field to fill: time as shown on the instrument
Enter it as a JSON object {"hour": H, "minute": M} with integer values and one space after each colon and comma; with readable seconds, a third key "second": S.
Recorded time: {"hour": 8, "minute": 16}
